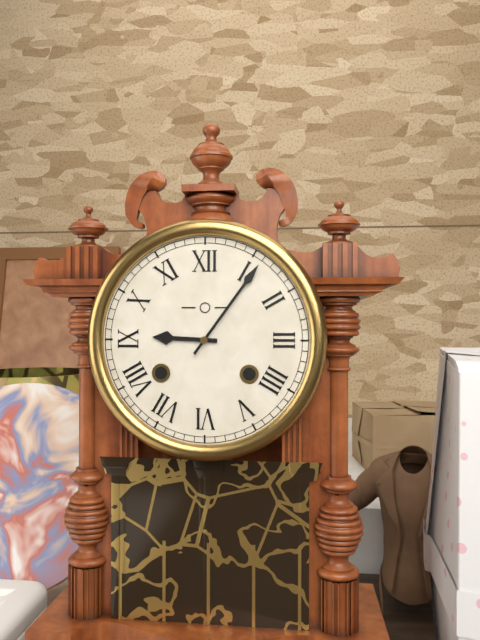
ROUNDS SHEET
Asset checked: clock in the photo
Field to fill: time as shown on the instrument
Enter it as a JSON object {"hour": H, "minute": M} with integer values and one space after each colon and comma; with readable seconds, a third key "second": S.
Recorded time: {"hour": 9, "minute": 6}
